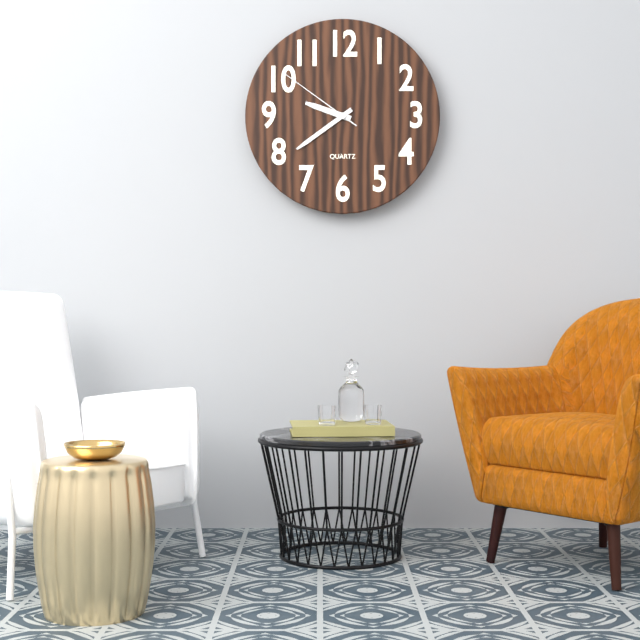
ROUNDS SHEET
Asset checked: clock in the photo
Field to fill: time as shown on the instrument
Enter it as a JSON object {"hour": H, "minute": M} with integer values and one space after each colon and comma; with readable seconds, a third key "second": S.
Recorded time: {"hour": 9, "minute": 39, "second": 51}
